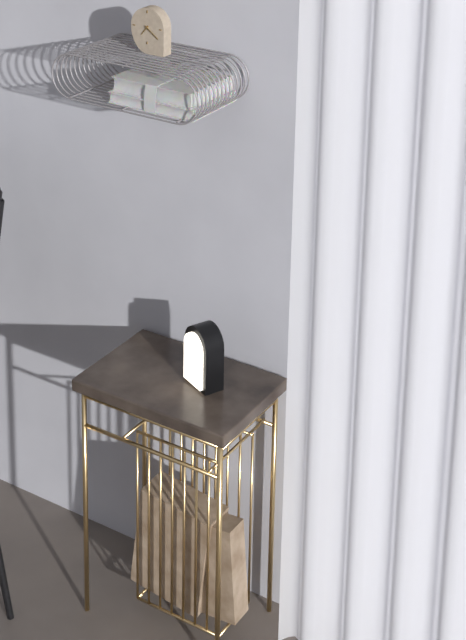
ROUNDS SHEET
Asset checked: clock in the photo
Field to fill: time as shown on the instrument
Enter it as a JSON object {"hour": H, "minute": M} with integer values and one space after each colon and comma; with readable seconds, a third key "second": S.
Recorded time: {"hour": 7, "minute": 21}
